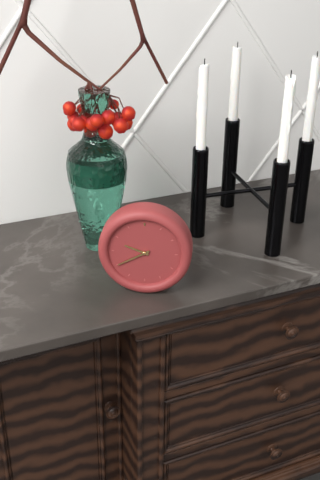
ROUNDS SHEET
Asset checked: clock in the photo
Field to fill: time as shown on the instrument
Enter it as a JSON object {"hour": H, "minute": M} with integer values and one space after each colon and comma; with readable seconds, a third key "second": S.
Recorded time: {"hour": 9, "minute": 40}
